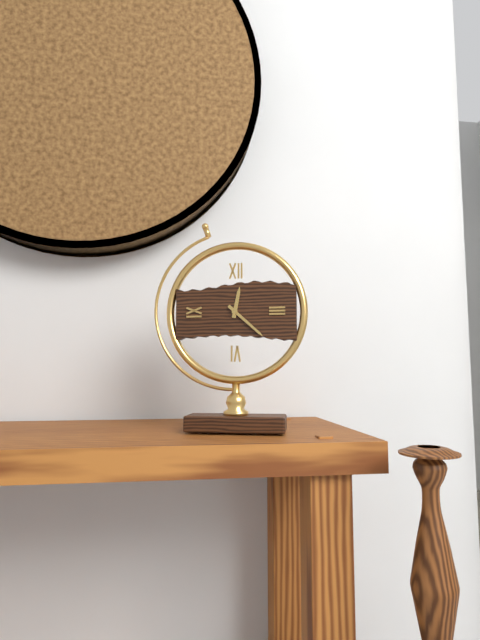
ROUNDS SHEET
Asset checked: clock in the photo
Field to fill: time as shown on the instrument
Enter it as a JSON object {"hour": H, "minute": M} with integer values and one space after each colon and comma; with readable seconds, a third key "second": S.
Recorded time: {"hour": 12, "minute": 22}
